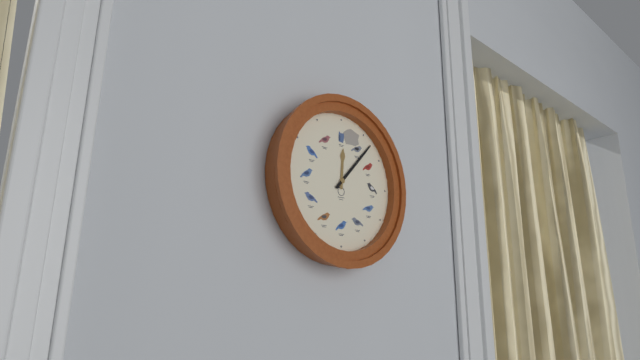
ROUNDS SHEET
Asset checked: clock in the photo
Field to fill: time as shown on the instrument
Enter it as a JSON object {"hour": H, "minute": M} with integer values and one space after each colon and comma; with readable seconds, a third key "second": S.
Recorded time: {"hour": 12, "minute": 7}
